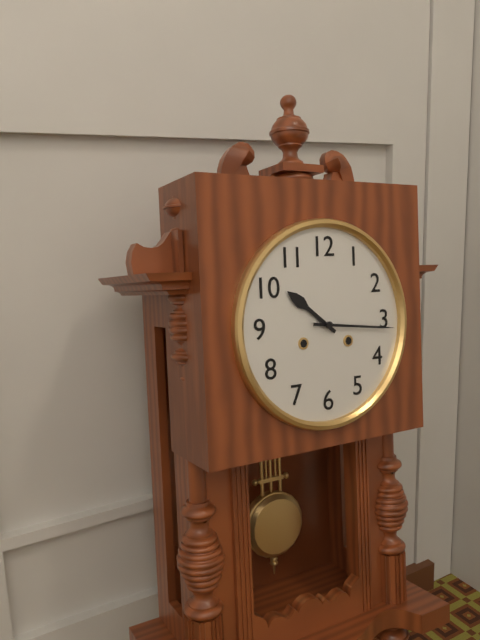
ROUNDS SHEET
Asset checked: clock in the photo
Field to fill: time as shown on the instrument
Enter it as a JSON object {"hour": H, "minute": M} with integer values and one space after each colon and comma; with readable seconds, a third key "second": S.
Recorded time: {"hour": 10, "minute": 16}
